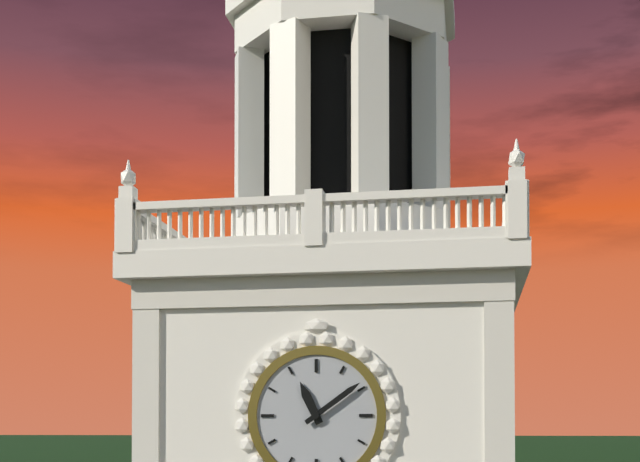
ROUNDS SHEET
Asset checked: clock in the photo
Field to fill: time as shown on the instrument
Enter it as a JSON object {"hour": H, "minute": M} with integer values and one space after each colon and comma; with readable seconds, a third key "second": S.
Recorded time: {"hour": 11, "minute": 9}
